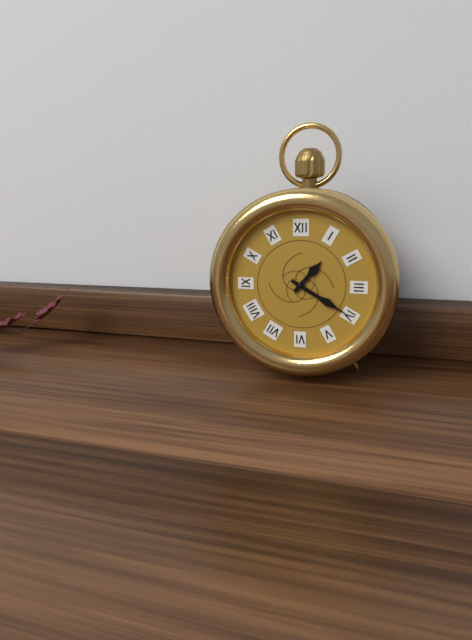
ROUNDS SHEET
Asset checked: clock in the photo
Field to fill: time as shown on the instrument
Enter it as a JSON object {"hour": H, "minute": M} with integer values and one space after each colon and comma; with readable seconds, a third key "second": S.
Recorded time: {"hour": 1, "minute": 20}
